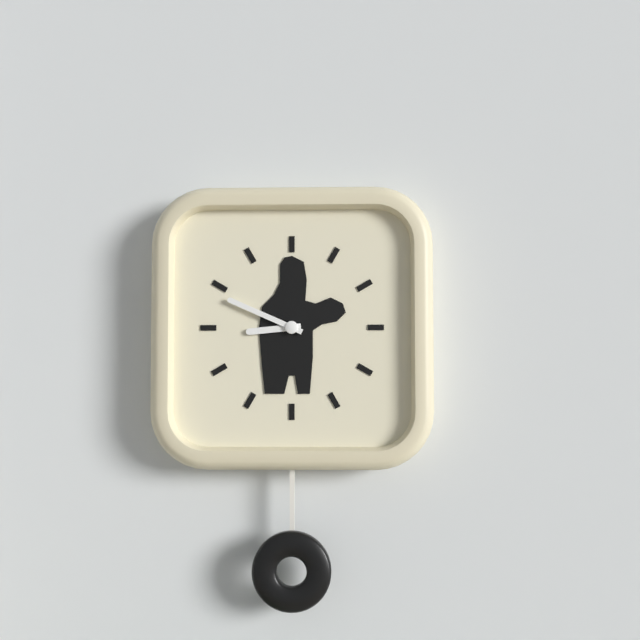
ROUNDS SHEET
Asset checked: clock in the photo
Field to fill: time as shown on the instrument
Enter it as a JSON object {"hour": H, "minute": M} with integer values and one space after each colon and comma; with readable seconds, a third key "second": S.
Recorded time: {"hour": 8, "minute": 49}
